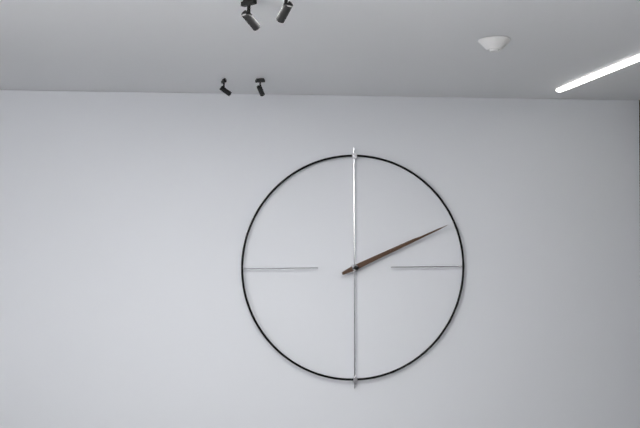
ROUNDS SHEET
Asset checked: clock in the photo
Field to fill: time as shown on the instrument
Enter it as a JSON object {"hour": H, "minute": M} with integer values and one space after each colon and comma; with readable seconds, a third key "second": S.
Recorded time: {"hour": 2, "minute": 11}
